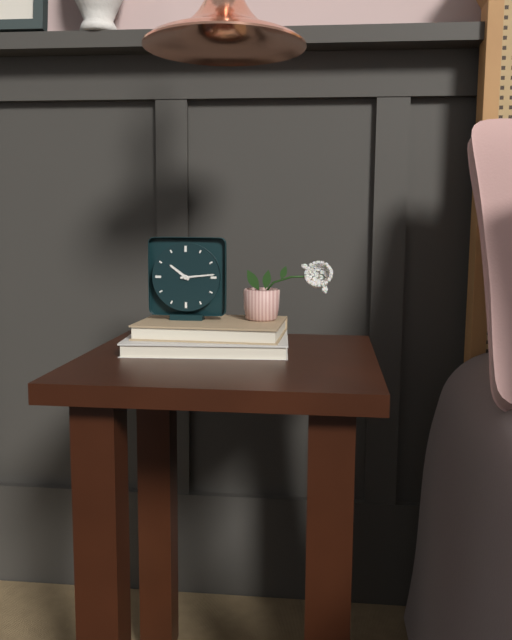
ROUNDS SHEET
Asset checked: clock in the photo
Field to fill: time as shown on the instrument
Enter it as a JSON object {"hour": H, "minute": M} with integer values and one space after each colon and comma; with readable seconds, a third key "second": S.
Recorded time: {"hour": 10, "minute": 14}
